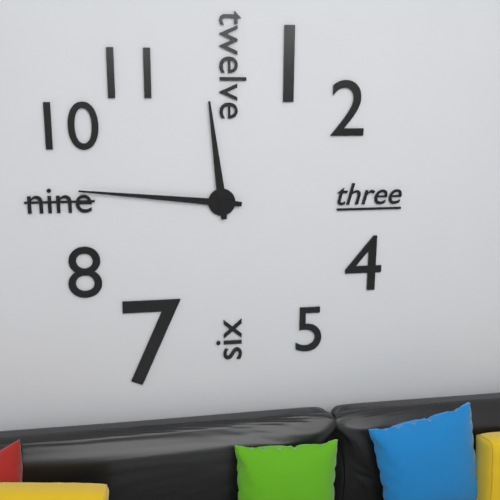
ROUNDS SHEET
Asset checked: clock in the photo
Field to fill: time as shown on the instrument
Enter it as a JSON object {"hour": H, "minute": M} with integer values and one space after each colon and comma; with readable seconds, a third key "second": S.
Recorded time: {"hour": 11, "minute": 46}
